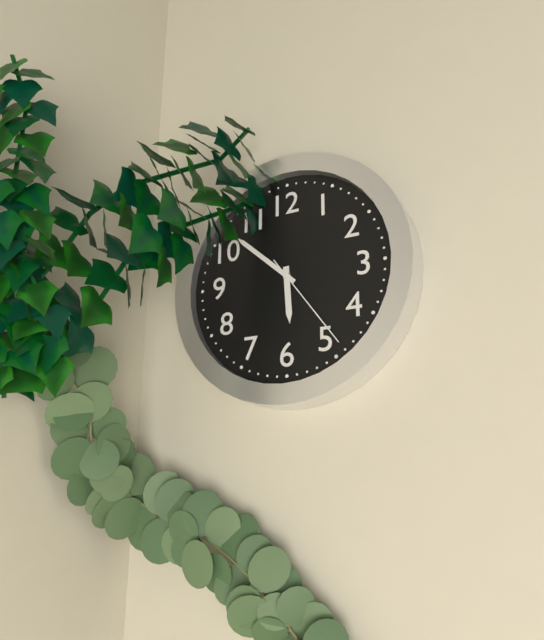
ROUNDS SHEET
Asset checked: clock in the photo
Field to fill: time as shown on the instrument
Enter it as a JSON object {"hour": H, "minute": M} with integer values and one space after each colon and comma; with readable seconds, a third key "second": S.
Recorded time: {"hour": 5, "minute": 52, "second": 24}
